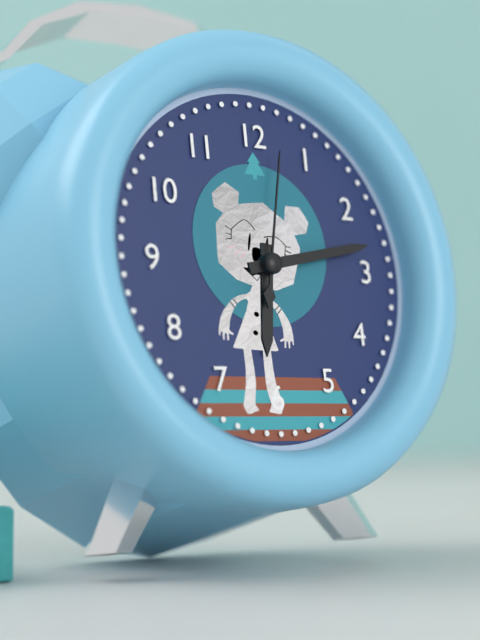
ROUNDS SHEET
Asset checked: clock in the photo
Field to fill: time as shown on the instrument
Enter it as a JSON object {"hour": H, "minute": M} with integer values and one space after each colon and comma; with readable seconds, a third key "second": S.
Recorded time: {"hour": 6, "minute": 13, "second": 2}
